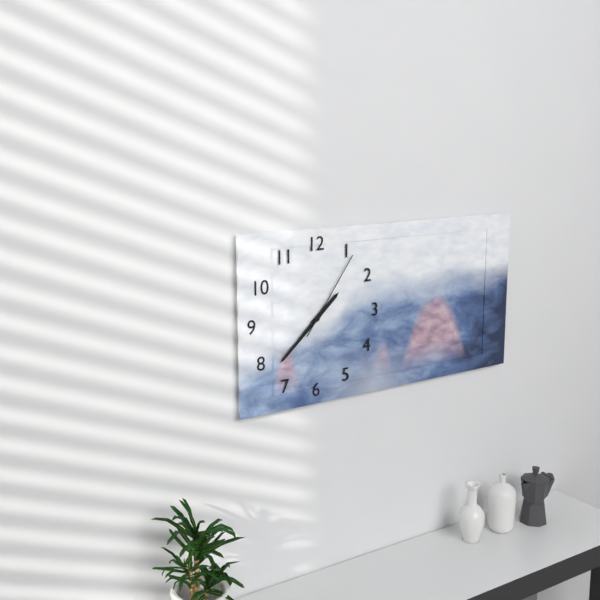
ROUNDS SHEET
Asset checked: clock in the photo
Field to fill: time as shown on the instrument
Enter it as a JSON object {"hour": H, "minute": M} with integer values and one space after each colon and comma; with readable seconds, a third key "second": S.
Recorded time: {"hour": 1, "minute": 38, "second": 6}
